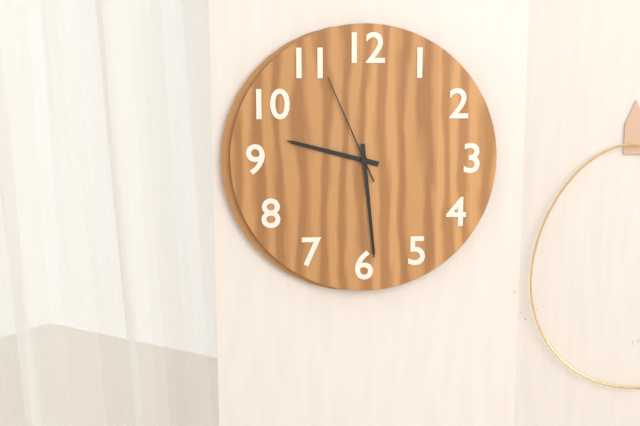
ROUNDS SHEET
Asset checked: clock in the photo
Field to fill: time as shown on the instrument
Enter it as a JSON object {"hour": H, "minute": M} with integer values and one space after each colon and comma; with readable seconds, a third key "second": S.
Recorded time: {"hour": 9, "minute": 29, "second": 56}
